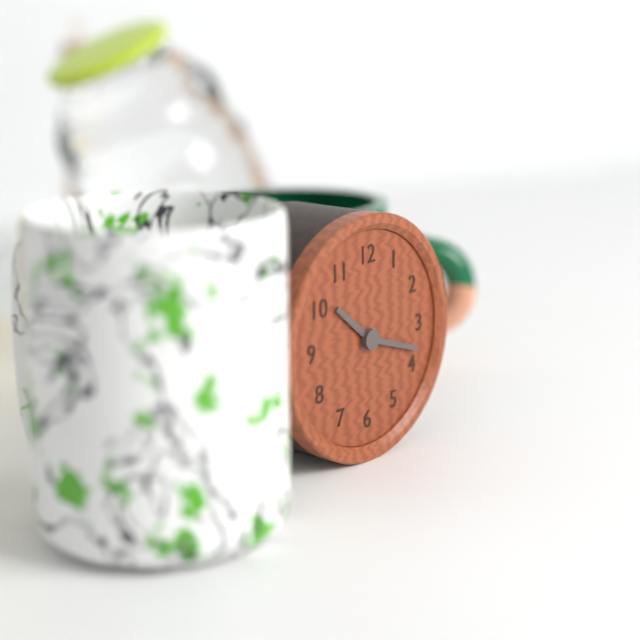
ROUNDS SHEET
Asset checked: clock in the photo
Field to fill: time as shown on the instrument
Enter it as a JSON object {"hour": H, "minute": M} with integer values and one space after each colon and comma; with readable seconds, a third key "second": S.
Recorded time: {"hour": 10, "minute": 18}
